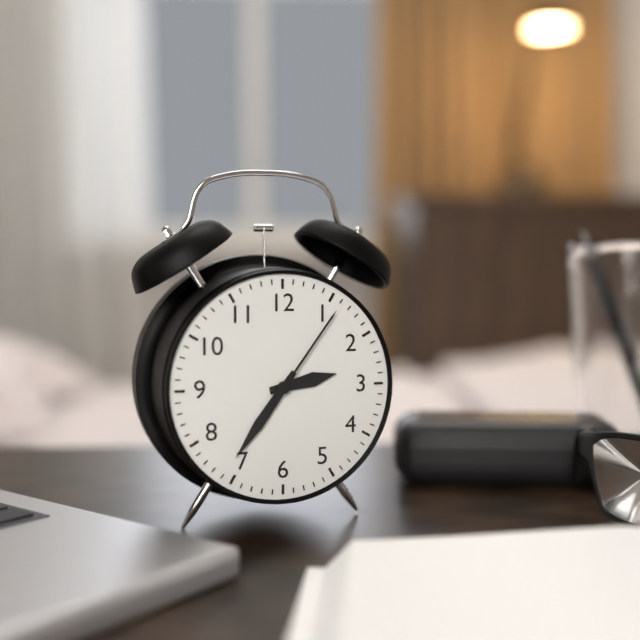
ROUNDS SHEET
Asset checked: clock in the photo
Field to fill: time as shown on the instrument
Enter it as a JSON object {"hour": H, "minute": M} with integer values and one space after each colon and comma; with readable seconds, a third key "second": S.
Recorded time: {"hour": 2, "minute": 36, "second": 6}
